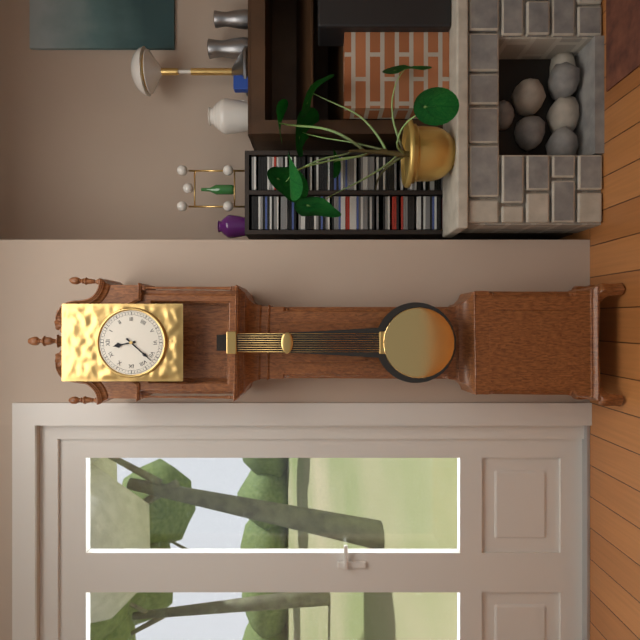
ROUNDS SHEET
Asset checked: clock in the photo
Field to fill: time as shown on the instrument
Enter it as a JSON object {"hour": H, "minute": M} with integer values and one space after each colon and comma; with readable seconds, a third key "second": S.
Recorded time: {"hour": 11, "minute": 37}
